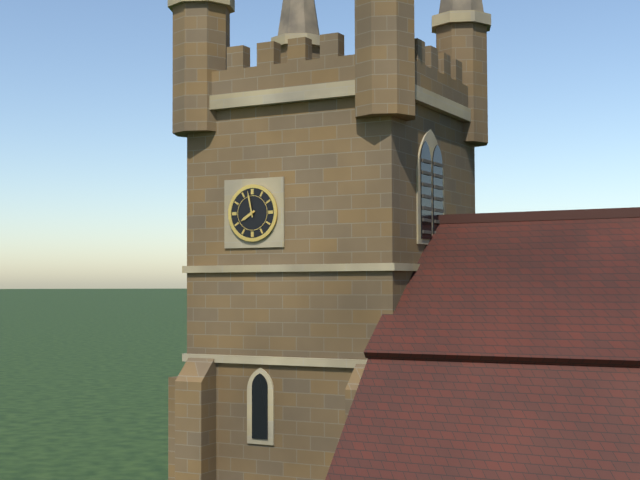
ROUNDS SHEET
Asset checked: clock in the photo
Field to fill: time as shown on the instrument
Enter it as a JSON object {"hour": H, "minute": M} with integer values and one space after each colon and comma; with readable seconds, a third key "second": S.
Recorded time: {"hour": 7, "minute": 58}
